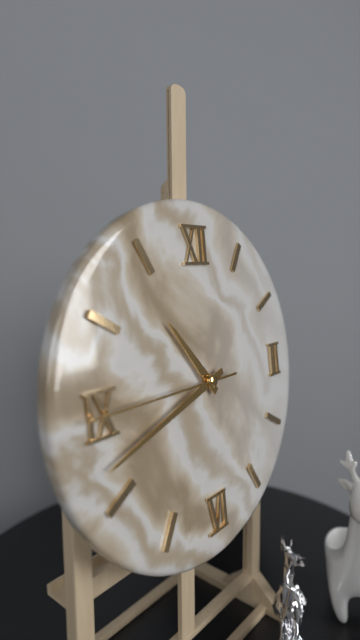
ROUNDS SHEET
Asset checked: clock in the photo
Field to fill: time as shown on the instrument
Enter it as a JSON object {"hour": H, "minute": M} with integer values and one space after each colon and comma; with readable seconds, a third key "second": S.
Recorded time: {"hour": 10, "minute": 42, "second": 45}
